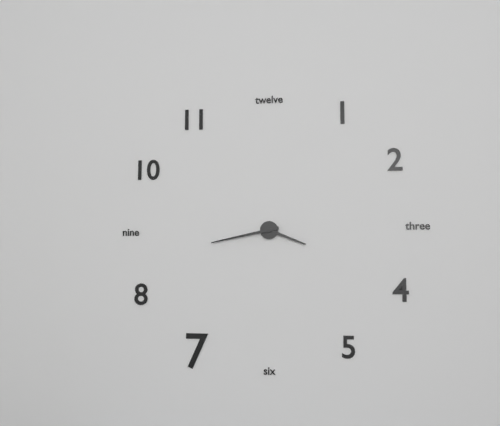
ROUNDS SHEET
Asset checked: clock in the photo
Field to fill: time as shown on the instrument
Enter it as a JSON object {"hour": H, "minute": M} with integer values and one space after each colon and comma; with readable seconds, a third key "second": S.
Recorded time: {"hour": 3, "minute": 43}
